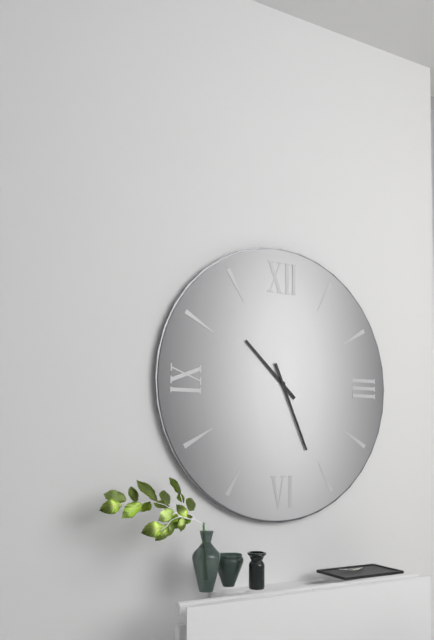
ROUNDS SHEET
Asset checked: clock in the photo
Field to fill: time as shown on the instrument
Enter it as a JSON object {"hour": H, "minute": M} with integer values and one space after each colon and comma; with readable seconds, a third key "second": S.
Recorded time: {"hour": 10, "minute": 26}
